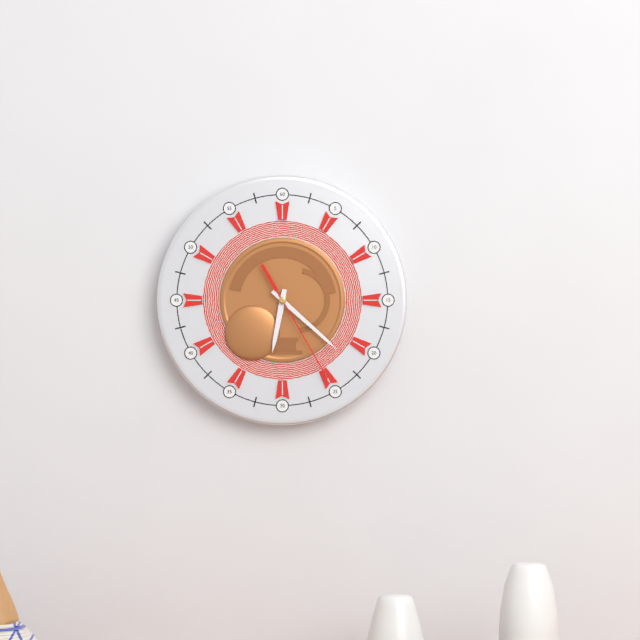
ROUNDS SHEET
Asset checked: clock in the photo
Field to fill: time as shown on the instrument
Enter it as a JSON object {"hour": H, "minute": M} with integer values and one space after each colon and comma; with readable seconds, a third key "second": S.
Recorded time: {"hour": 6, "minute": 22, "second": 25}
